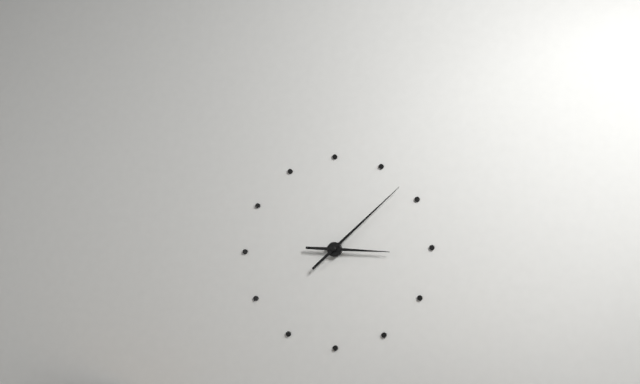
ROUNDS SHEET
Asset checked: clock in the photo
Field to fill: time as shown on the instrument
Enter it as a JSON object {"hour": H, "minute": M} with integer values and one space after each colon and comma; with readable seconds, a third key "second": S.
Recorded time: {"hour": 3, "minute": 8}
